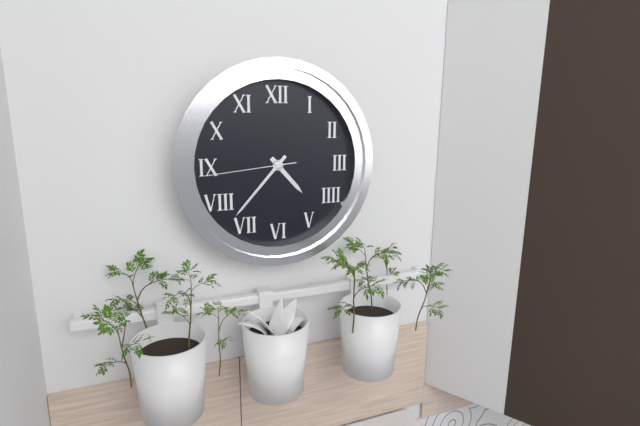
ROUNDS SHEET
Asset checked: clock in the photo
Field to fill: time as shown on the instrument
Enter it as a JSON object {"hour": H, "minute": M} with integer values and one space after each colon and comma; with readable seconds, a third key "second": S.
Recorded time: {"hour": 4, "minute": 37, "second": 44}
